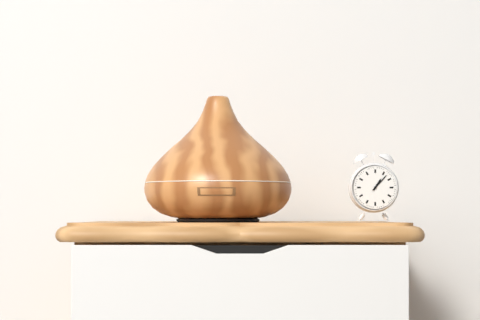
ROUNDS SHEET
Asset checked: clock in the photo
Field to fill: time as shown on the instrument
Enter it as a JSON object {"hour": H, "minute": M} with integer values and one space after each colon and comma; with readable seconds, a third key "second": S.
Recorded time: {"hour": 1, "minute": 7}
